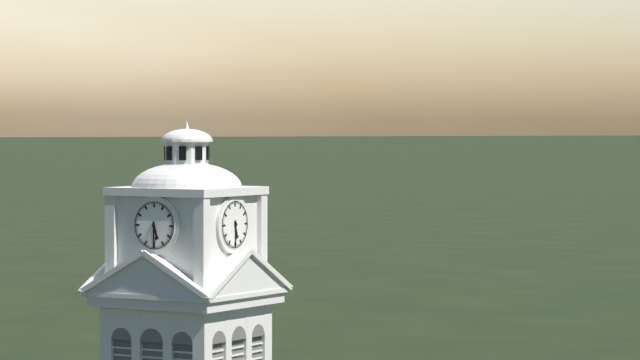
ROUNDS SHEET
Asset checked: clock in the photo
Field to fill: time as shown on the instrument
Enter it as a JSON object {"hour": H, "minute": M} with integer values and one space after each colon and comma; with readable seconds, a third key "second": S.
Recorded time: {"hour": 5, "minute": 30}
